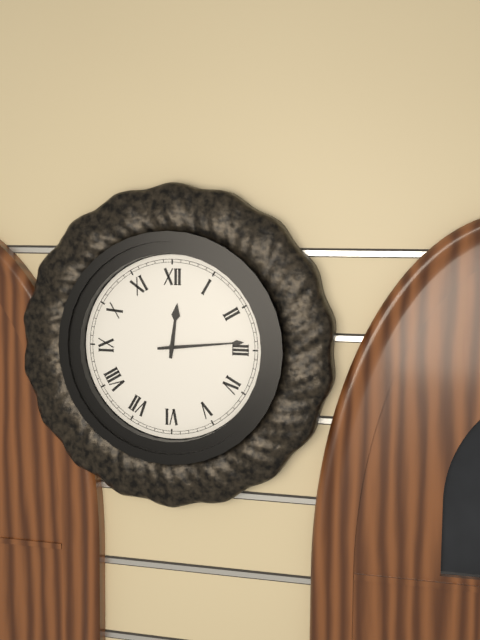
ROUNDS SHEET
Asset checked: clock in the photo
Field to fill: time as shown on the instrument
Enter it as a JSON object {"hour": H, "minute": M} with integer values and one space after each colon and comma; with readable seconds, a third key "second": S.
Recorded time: {"hour": 12, "minute": 14}
